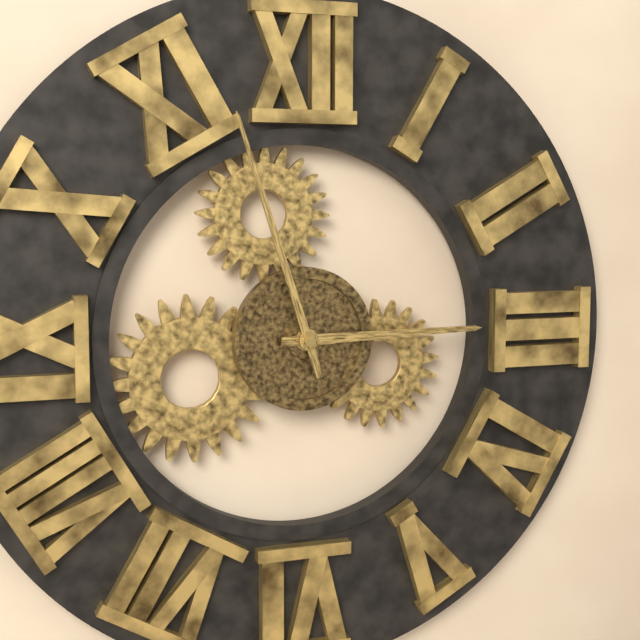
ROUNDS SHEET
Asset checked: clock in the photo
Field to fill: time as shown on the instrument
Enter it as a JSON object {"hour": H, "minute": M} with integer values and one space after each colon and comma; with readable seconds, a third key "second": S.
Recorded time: {"hour": 2, "minute": 57}
